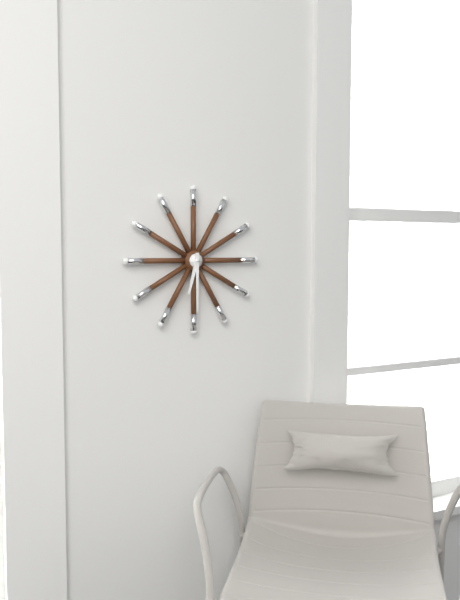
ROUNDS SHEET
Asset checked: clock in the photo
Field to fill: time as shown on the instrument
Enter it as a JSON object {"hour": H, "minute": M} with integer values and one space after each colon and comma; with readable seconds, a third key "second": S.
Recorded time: {"hour": 6, "minute": 30}
